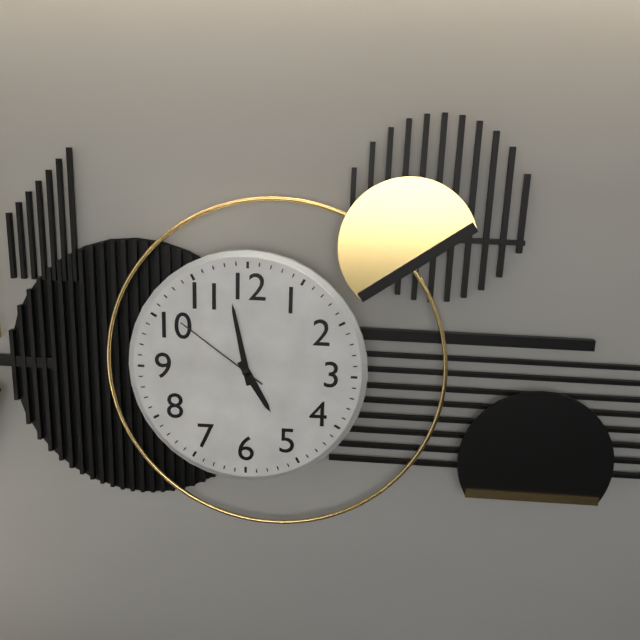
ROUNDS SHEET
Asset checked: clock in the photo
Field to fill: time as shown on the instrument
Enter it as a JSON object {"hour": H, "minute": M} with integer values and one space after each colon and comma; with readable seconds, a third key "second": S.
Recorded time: {"hour": 4, "minute": 58, "second": 51}
